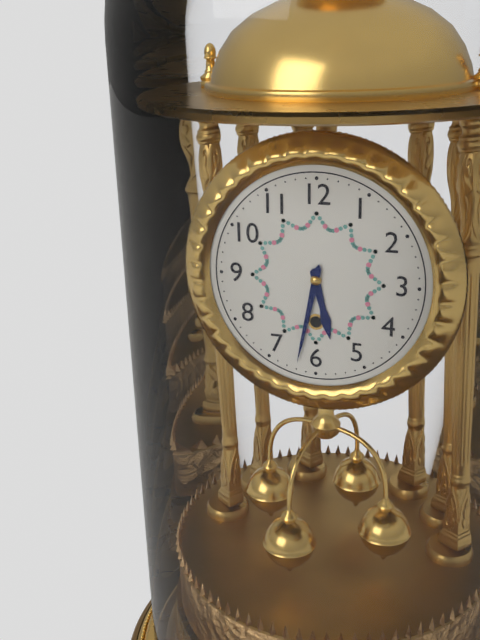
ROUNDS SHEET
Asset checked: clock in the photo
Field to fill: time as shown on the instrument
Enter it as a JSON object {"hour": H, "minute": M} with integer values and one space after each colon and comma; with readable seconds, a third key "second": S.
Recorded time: {"hour": 5, "minute": 32}
